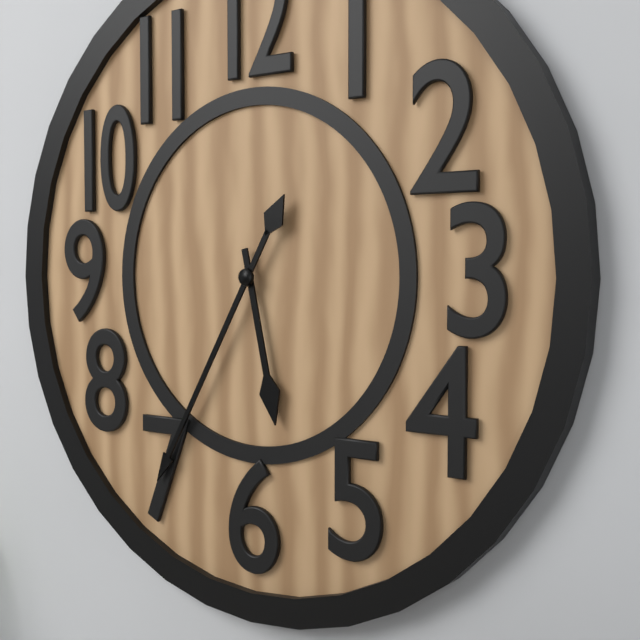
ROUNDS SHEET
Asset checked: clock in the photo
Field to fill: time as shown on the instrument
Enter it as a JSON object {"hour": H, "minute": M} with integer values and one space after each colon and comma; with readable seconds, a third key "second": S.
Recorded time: {"hour": 5, "minute": 35}
